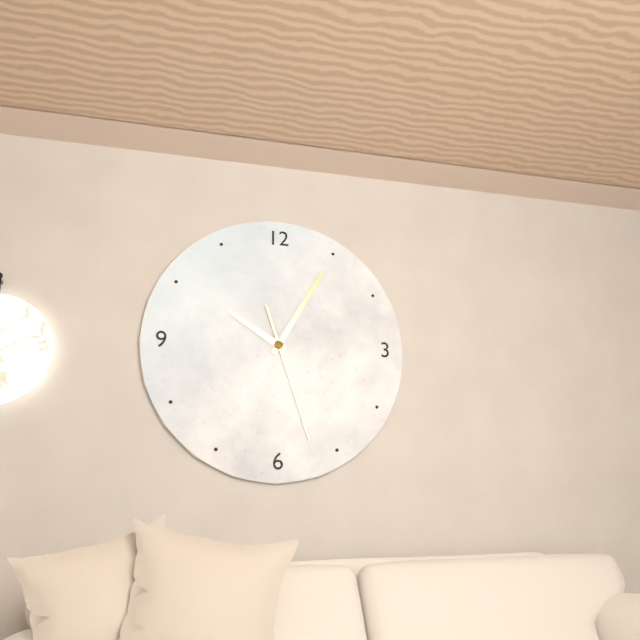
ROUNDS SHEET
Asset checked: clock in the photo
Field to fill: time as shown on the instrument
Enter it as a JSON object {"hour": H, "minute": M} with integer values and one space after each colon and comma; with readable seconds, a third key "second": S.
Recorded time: {"hour": 10, "minute": 5, "second": 27}
